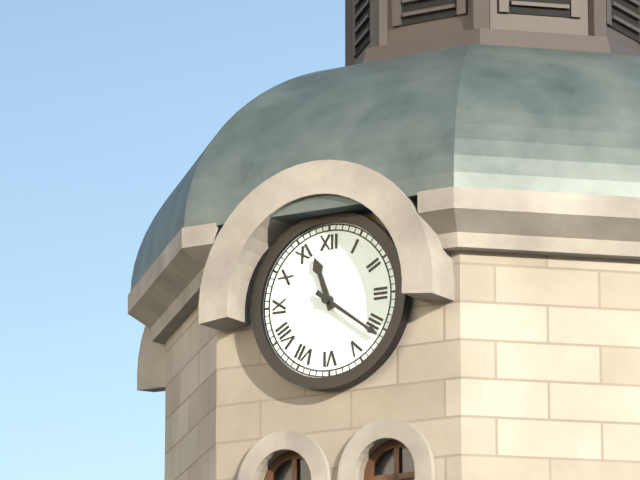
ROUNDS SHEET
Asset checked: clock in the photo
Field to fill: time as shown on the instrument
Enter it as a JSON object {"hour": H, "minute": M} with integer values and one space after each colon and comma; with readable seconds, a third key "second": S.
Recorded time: {"hour": 11, "minute": 21}
